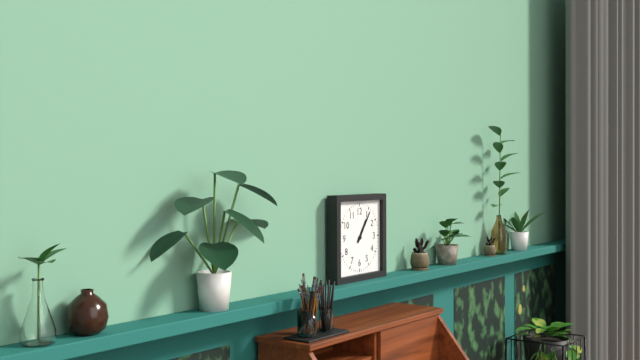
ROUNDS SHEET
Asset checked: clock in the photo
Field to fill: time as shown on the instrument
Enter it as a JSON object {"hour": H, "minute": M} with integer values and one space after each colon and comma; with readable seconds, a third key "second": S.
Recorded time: {"hour": 1, "minute": 6}
